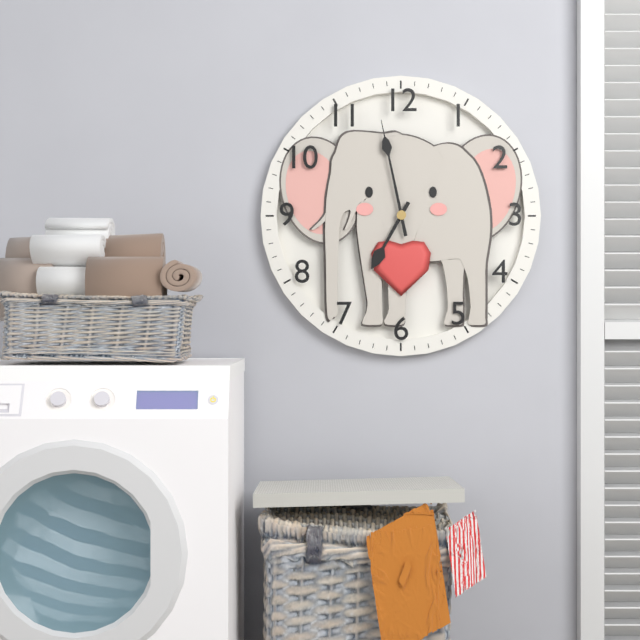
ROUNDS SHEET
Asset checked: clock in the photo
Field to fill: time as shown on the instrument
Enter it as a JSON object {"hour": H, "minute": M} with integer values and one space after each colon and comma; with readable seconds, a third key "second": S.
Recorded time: {"hour": 6, "minute": 58}
